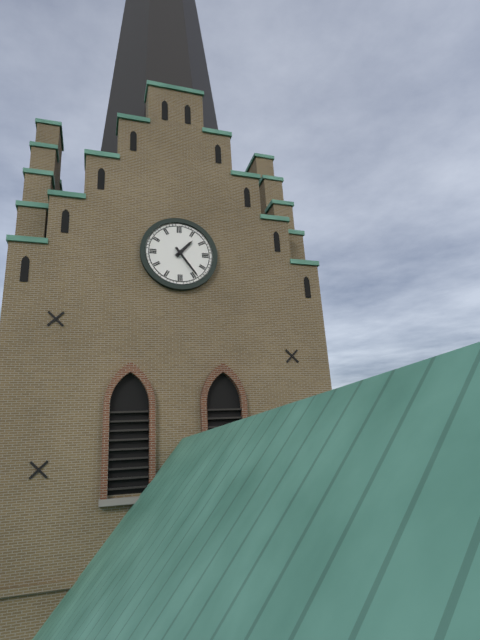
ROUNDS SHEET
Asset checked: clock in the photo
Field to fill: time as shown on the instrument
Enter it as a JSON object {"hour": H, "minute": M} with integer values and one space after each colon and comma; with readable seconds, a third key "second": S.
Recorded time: {"hour": 1, "minute": 24}
